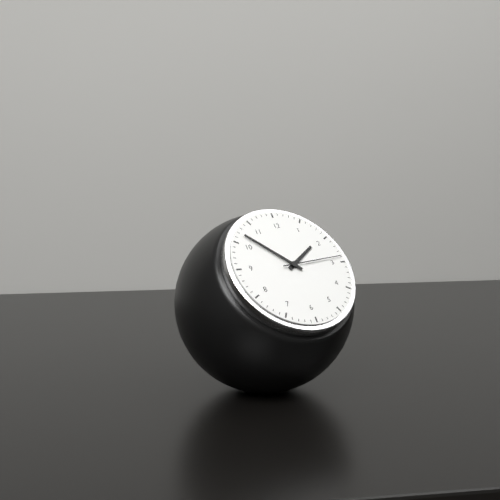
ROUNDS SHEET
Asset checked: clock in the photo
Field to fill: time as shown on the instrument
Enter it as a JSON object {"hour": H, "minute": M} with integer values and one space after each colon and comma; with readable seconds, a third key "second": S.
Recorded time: {"hour": 1, "minute": 52, "second": 14}
